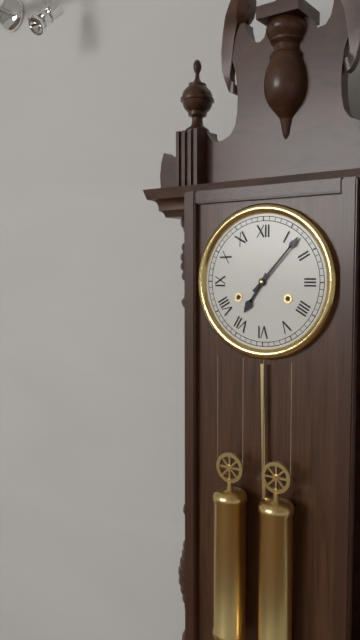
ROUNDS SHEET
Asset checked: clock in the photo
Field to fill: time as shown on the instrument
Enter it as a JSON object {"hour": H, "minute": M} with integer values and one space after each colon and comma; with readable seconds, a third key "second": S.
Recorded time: {"hour": 7, "minute": 7}
